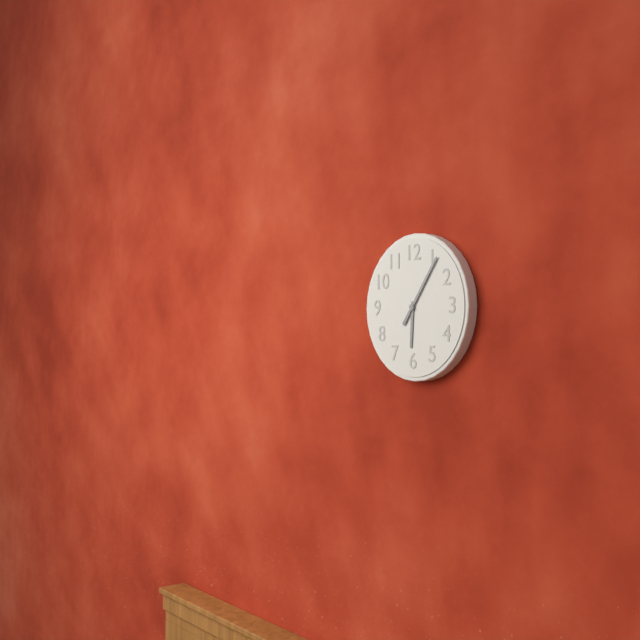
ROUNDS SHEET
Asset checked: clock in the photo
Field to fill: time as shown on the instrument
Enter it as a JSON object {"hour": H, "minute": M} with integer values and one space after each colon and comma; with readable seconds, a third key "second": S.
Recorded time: {"hour": 6, "minute": 6}
